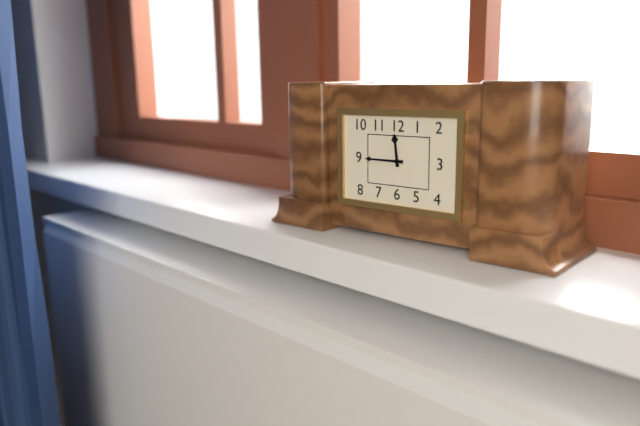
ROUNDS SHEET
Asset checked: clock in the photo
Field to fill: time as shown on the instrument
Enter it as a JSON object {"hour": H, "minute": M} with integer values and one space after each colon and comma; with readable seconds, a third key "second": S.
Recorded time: {"hour": 11, "minute": 45}
